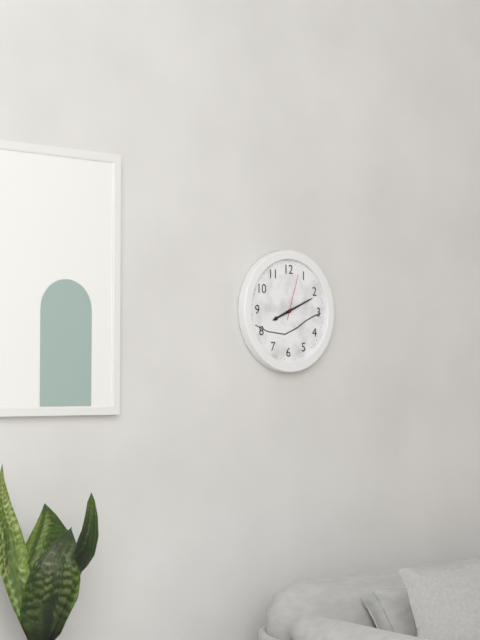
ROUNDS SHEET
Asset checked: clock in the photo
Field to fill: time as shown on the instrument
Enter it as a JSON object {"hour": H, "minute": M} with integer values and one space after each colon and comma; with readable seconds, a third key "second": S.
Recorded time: {"hour": 8, "minute": 11}
